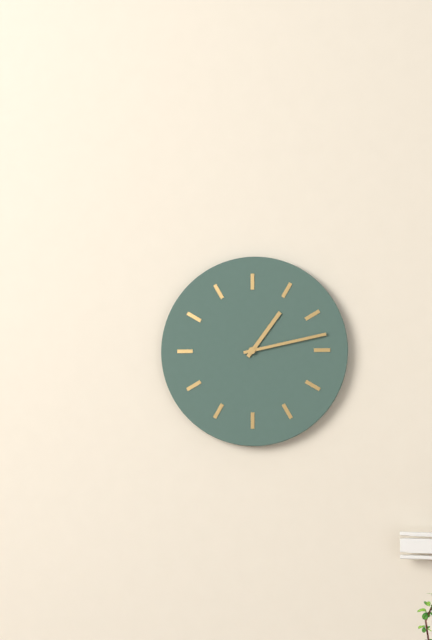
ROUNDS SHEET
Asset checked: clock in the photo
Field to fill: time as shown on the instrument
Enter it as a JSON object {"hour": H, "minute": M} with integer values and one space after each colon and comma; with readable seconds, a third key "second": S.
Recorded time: {"hour": 1, "minute": 13}
